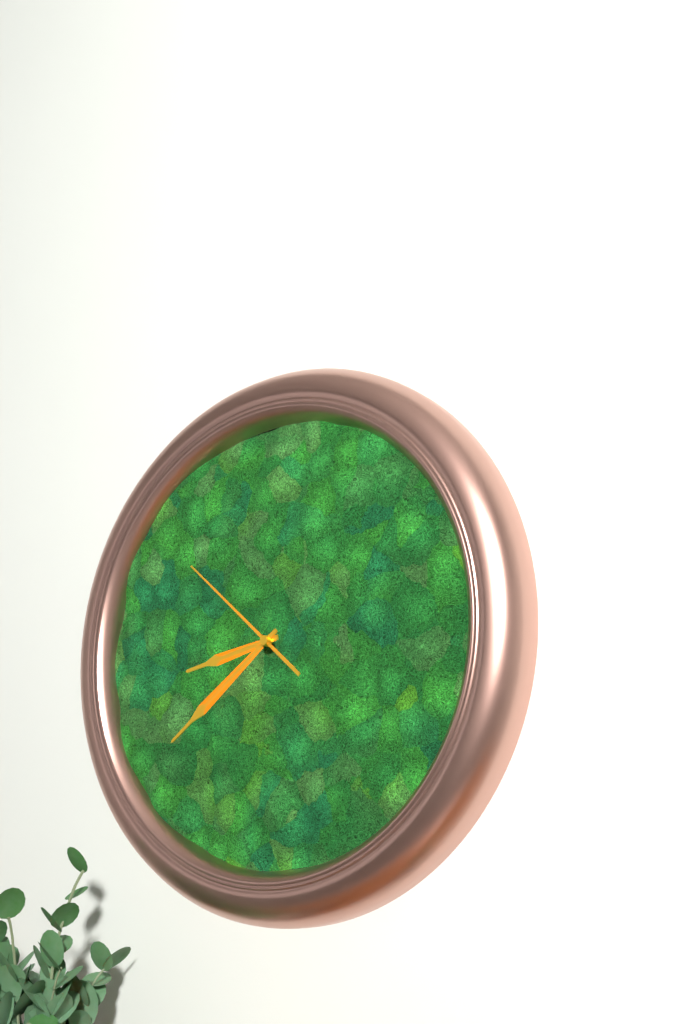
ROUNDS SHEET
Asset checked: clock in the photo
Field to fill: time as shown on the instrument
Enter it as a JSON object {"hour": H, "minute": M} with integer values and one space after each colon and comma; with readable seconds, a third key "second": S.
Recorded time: {"hour": 8, "minute": 39, "second": 52}
